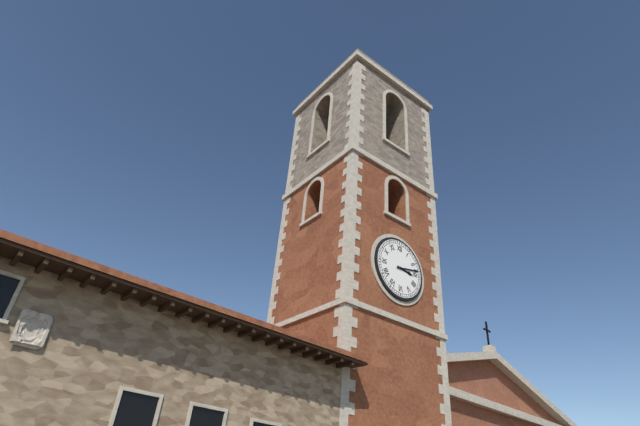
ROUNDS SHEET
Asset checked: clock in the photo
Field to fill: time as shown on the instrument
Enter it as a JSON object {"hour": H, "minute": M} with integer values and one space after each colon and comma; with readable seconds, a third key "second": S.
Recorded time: {"hour": 3, "minute": 13}
